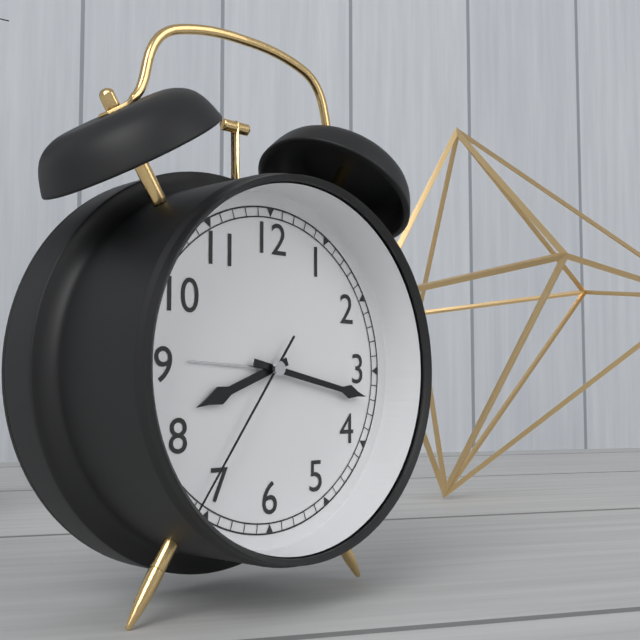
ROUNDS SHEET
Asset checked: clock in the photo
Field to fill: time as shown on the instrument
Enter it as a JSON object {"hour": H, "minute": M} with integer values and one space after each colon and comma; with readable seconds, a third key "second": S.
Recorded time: {"hour": 8, "minute": 17, "second": 36}
